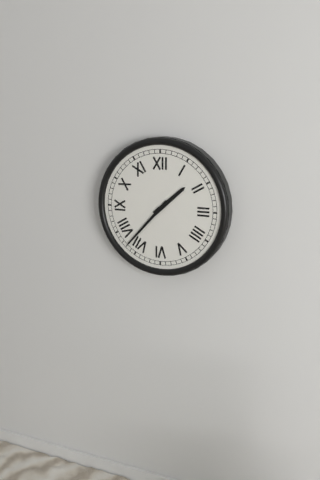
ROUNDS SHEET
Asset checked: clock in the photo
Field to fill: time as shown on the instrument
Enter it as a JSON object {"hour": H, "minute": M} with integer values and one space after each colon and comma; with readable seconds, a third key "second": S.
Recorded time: {"hour": 1, "minute": 37}
